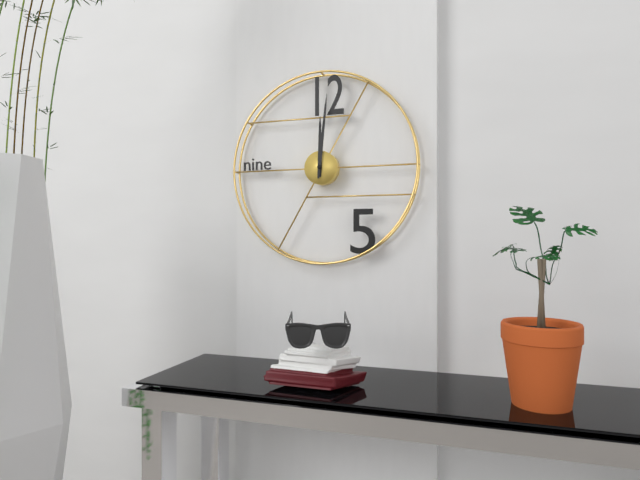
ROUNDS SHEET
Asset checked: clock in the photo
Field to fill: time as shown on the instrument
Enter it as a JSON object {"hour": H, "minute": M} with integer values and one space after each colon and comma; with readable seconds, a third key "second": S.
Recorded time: {"hour": 12, "minute": 1}
